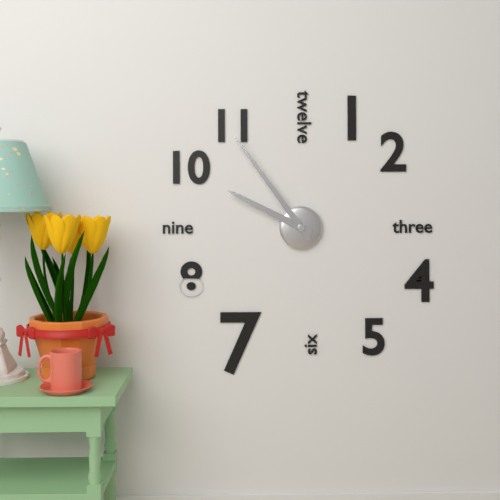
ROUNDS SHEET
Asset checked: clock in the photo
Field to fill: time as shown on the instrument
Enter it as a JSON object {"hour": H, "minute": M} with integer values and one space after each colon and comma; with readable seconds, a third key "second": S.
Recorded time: {"hour": 9, "minute": 54}
